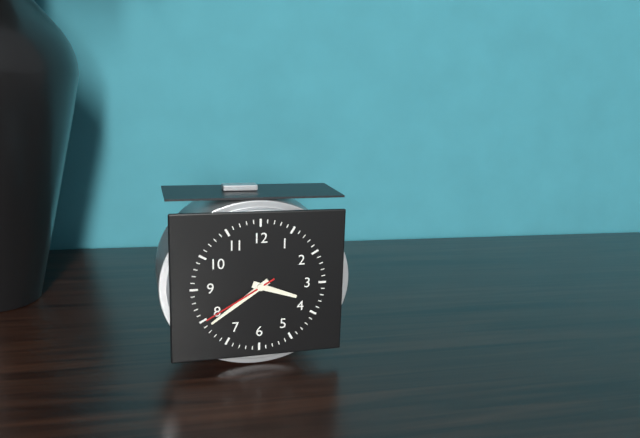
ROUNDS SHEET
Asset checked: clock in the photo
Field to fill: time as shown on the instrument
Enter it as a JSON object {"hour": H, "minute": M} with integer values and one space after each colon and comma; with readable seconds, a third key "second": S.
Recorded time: {"hour": 3, "minute": 39, "second": 40}
